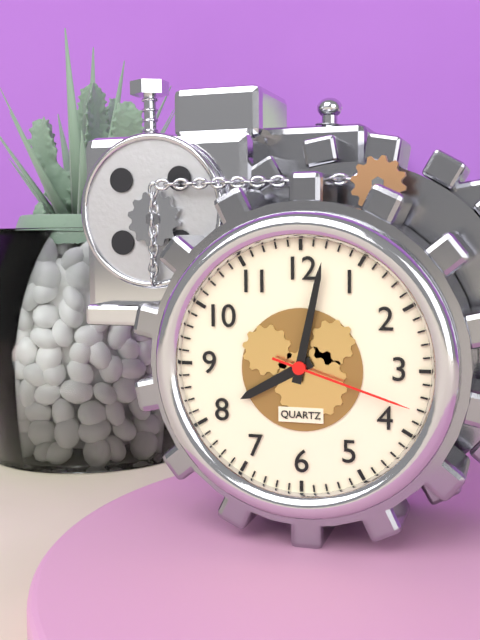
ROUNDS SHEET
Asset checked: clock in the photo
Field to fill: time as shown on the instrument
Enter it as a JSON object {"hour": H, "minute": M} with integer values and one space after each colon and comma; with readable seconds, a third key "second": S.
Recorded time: {"hour": 8, "minute": 2, "second": 18}
